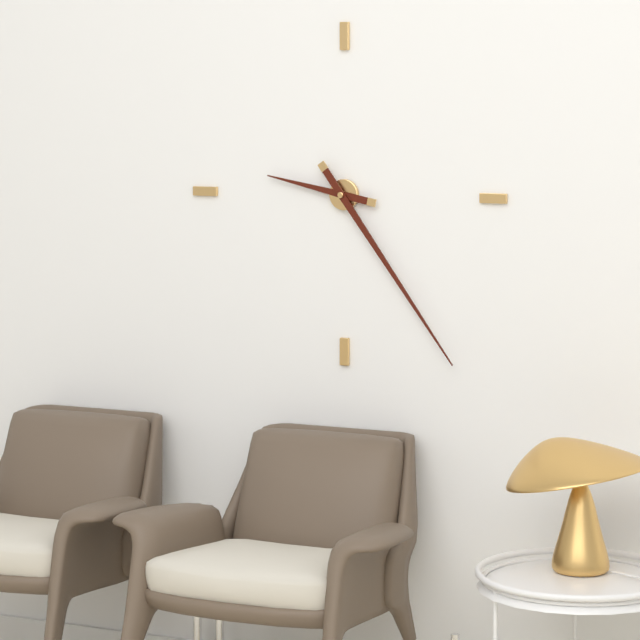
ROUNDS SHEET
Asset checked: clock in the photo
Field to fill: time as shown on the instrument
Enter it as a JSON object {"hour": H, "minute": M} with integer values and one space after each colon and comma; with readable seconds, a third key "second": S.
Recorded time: {"hour": 9, "minute": 24}
